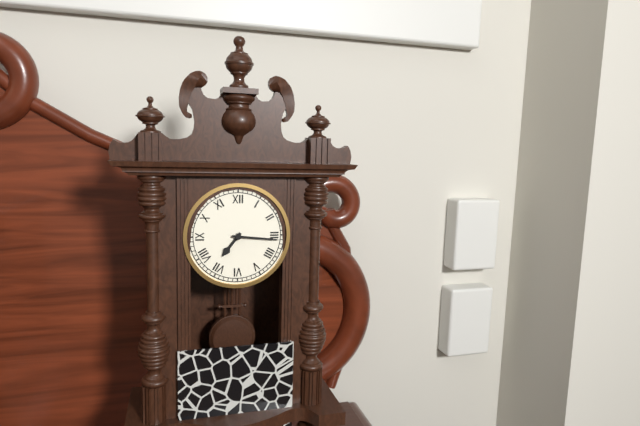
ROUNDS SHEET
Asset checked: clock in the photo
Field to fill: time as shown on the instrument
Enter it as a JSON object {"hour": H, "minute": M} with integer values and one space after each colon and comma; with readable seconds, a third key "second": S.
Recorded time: {"hour": 7, "minute": 16}
